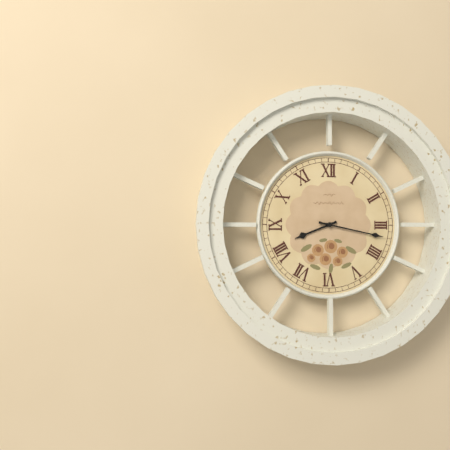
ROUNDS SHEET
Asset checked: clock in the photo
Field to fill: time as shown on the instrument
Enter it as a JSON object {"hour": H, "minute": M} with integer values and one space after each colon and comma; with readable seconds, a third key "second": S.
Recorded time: {"hour": 8, "minute": 17}
